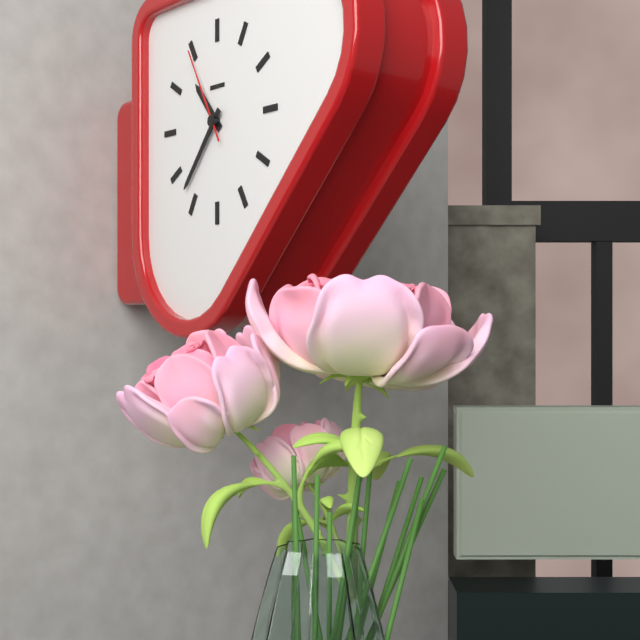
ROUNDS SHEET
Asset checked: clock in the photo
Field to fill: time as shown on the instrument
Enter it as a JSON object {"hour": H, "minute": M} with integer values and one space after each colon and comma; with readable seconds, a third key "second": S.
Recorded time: {"hour": 10, "minute": 37, "second": 55}
